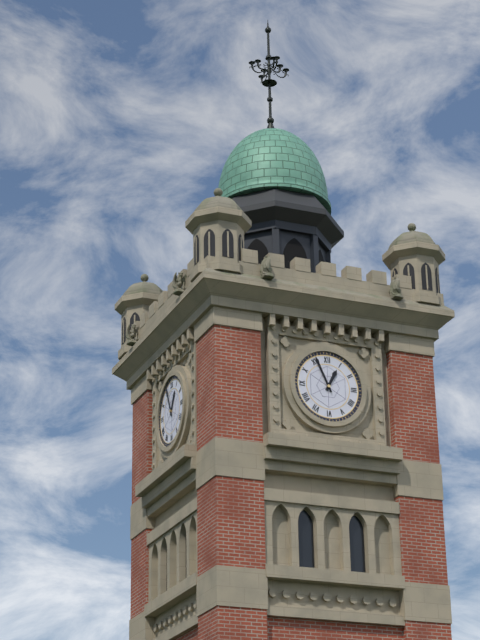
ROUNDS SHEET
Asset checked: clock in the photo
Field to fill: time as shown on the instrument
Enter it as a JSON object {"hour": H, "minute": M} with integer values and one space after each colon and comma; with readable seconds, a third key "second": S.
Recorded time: {"hour": 12, "minute": 56}
